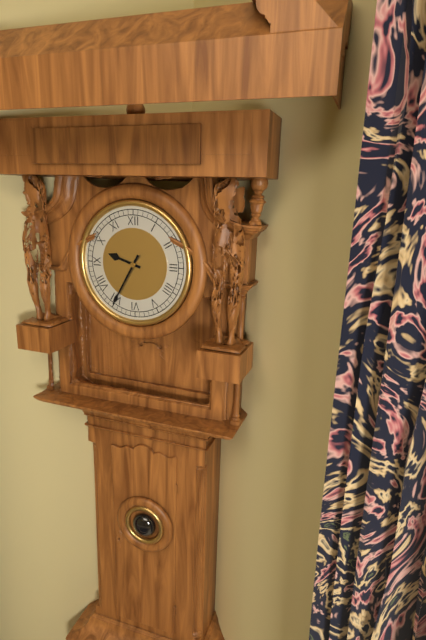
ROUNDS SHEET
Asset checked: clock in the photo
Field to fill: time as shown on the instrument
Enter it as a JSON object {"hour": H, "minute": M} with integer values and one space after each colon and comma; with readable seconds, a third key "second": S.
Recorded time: {"hour": 9, "minute": 35}
